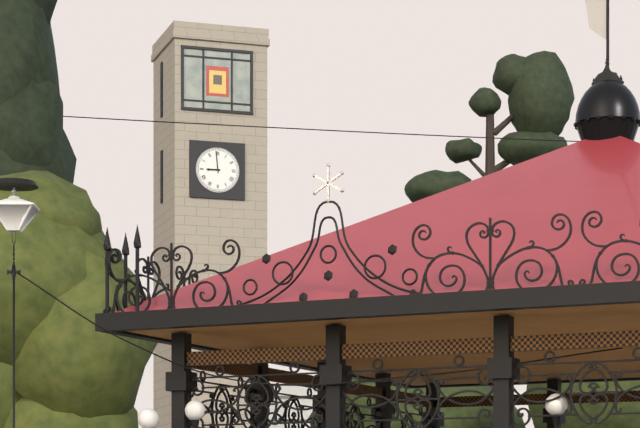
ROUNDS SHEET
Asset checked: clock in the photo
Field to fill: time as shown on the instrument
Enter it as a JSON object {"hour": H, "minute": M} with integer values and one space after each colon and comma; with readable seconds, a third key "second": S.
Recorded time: {"hour": 8, "minute": 59}
